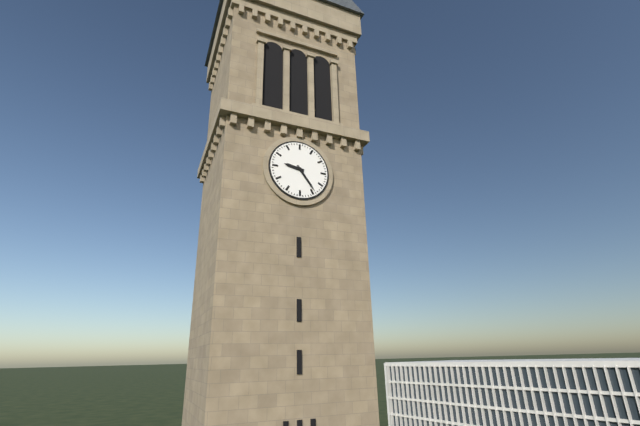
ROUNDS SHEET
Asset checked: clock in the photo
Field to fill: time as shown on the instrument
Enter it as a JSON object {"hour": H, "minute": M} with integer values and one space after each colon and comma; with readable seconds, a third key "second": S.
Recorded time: {"hour": 9, "minute": 24}
